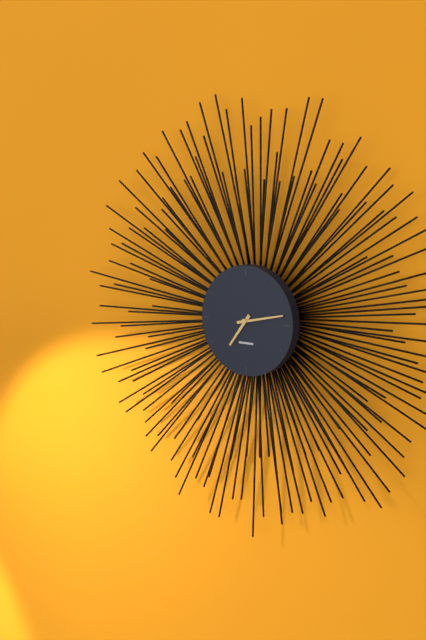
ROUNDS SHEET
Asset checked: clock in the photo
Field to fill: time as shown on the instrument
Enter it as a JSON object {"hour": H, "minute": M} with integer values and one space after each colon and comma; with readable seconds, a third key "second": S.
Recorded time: {"hour": 7, "minute": 13}
